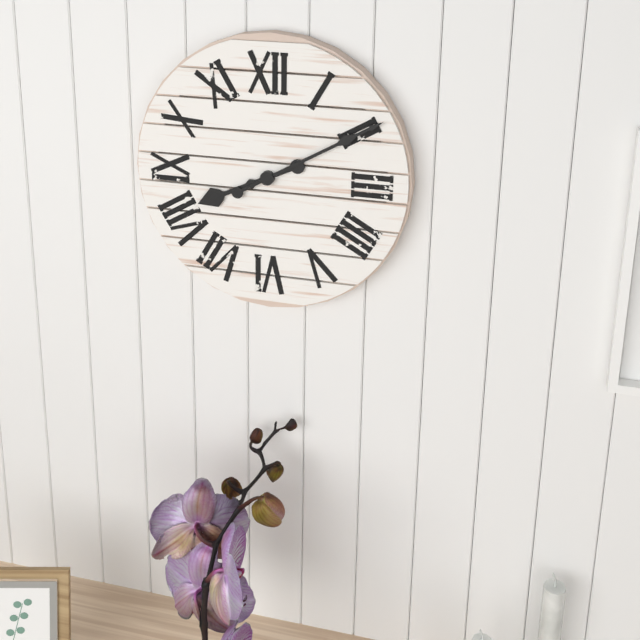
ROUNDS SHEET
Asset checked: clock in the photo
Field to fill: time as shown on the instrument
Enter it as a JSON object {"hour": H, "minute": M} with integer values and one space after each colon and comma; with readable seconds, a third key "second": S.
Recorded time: {"hour": 8, "minute": 10}
